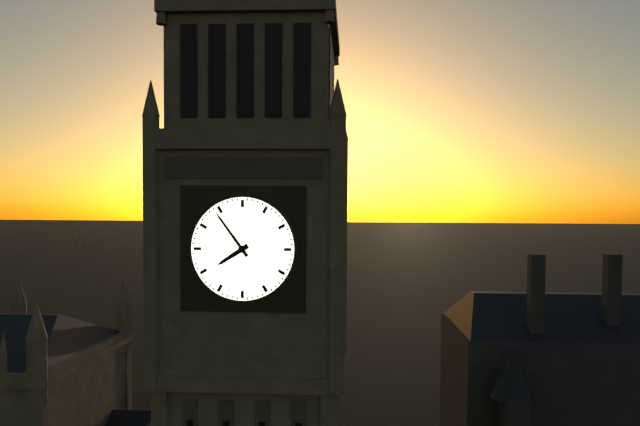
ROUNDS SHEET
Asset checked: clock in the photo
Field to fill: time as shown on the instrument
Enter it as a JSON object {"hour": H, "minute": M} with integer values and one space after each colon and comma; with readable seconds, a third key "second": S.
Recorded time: {"hour": 7, "minute": 54}
